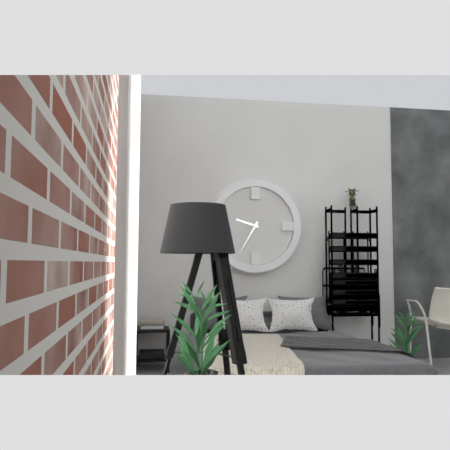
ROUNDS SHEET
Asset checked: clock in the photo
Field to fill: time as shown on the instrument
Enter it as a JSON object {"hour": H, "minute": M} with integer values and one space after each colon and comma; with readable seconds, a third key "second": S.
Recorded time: {"hour": 9, "minute": 35}
